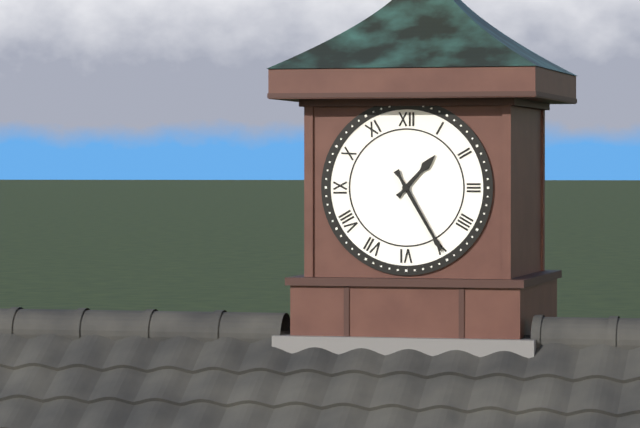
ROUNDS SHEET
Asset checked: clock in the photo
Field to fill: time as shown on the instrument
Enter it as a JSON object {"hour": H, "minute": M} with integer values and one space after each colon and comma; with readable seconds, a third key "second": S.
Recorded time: {"hour": 1, "minute": 25}
